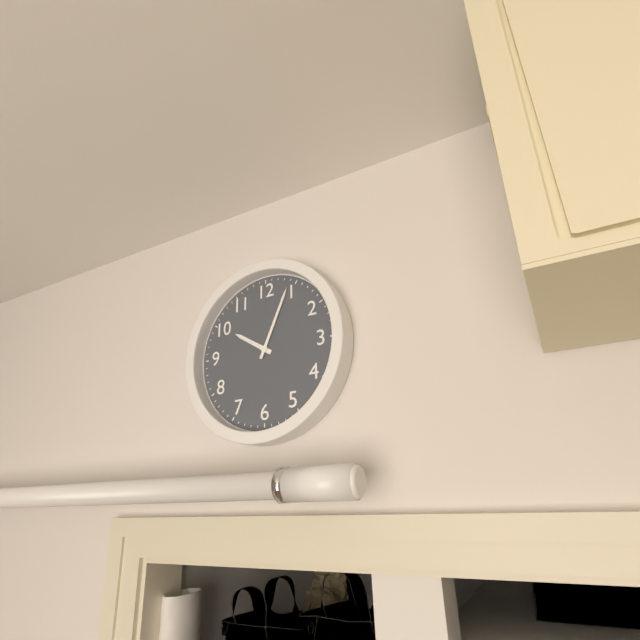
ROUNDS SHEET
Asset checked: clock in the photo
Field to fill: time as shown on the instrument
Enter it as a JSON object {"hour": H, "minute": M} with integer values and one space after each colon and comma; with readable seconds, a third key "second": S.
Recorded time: {"hour": 10, "minute": 4}
